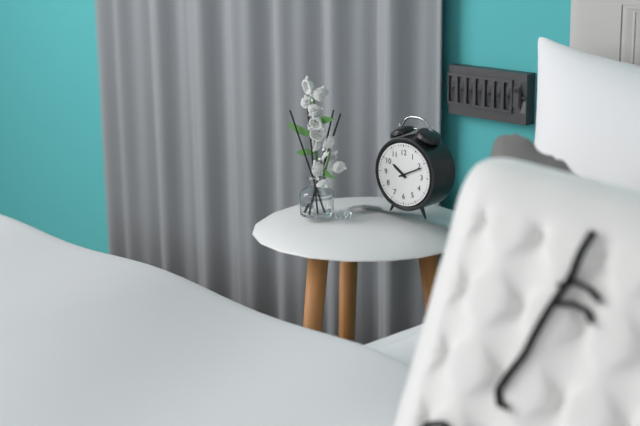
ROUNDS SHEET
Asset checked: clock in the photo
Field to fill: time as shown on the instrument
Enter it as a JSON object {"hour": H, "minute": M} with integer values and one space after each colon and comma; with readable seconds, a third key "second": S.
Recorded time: {"hour": 10, "minute": 11}
